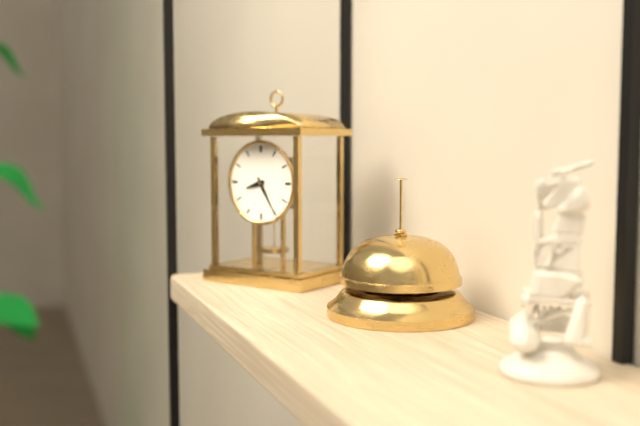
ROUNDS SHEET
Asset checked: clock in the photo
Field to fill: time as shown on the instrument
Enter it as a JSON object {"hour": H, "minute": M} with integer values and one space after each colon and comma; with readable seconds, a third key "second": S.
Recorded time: {"hour": 8, "minute": 25}
